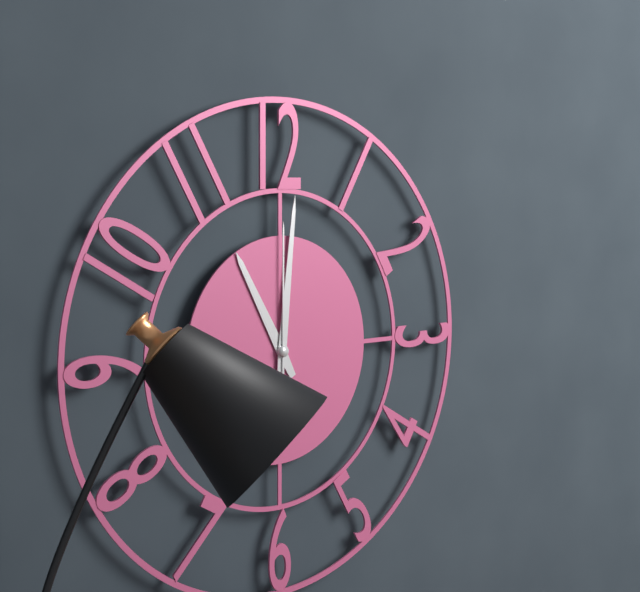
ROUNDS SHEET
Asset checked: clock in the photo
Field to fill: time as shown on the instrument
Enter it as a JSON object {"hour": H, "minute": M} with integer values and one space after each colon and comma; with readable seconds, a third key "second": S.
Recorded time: {"hour": 11, "minute": 1, "second": 0}
